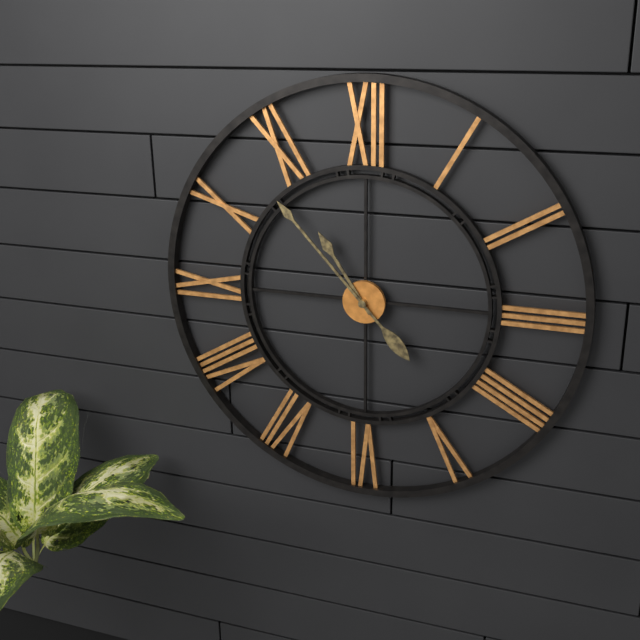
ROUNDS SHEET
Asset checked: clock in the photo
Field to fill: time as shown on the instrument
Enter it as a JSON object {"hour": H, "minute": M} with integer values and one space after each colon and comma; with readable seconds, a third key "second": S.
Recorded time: {"hour": 10, "minute": 53}
